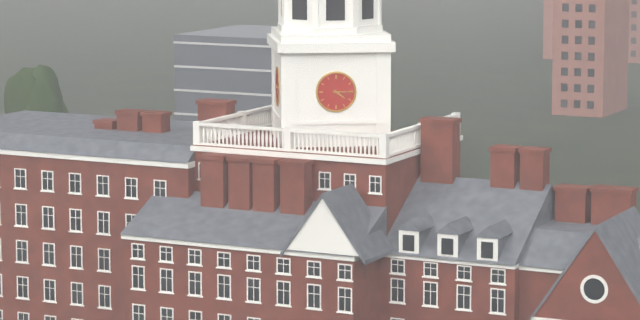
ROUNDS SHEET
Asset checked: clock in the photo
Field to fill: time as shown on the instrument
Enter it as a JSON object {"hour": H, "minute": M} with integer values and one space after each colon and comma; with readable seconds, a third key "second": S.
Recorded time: {"hour": 4, "minute": 15}
